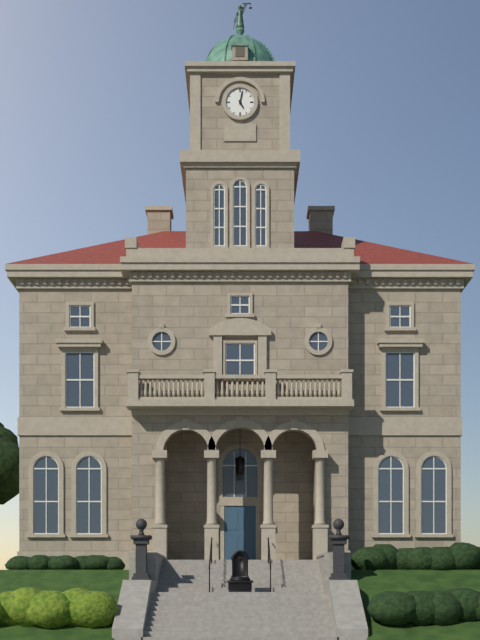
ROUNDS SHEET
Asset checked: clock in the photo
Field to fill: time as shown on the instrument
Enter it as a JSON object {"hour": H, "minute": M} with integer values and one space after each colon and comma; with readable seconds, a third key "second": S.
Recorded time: {"hour": 5, "minute": 2}
